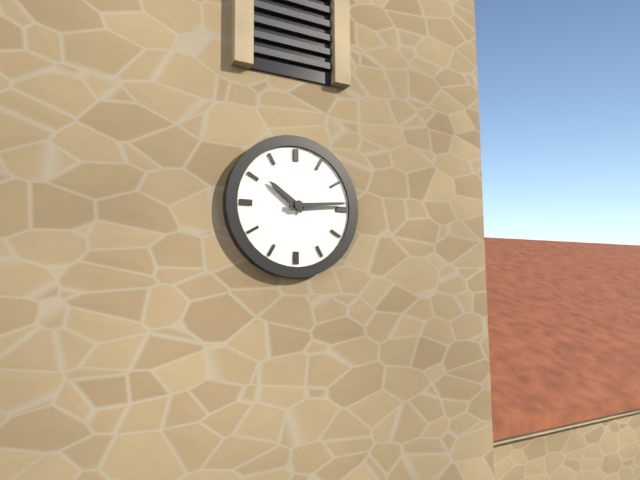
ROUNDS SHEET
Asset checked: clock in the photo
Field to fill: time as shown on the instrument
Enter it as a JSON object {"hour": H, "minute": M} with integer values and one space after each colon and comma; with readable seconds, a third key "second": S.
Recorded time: {"hour": 10, "minute": 14}
